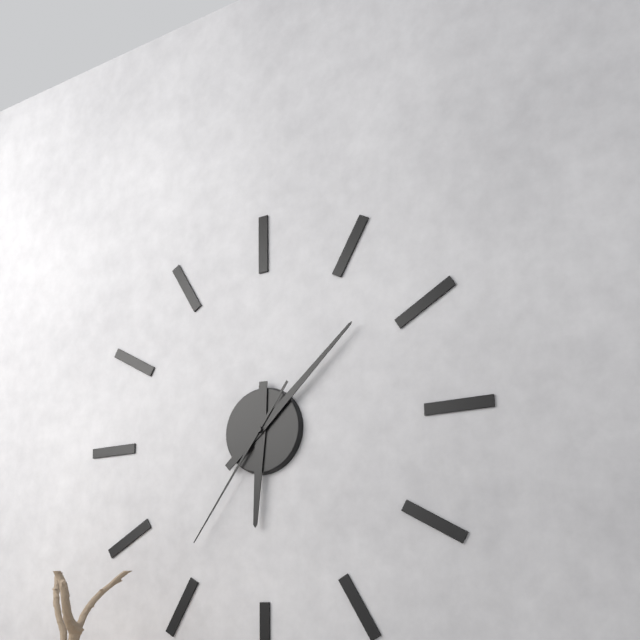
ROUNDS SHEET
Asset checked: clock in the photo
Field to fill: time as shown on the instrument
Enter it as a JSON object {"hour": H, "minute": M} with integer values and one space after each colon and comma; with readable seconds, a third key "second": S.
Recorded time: {"hour": 6, "minute": 8, "second": 36}
